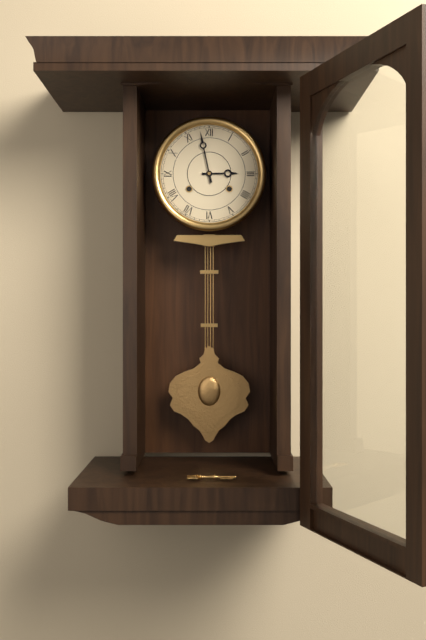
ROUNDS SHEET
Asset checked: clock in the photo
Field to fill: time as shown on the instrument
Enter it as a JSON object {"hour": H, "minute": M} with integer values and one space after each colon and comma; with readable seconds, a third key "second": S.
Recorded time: {"hour": 2, "minute": 58}
